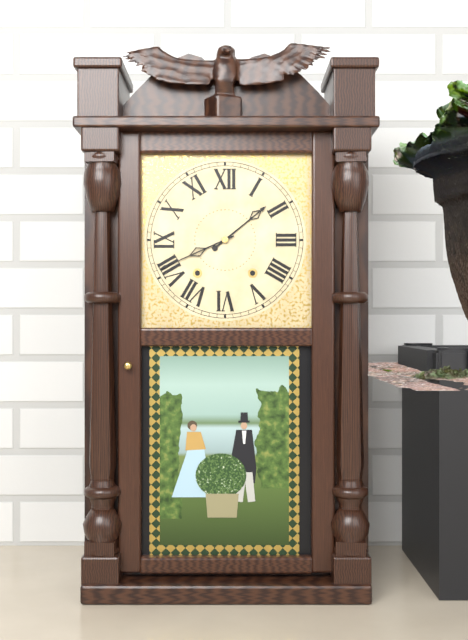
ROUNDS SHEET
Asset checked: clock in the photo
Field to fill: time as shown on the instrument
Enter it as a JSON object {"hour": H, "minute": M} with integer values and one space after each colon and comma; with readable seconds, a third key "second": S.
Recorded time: {"hour": 1, "minute": 41}
